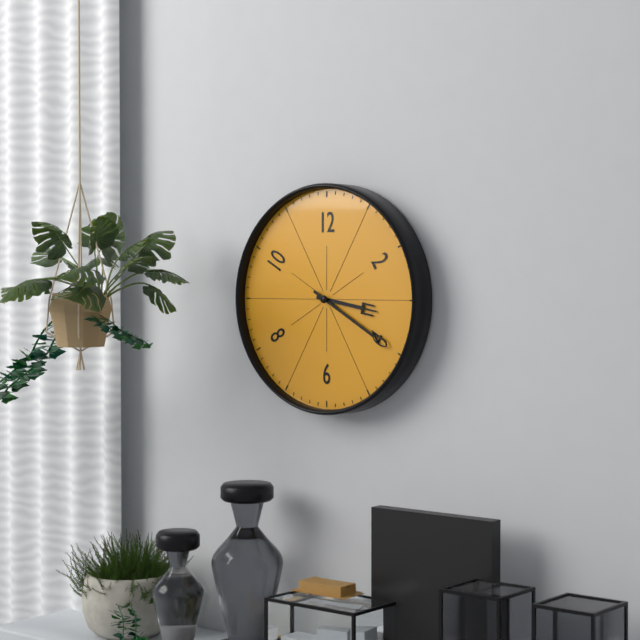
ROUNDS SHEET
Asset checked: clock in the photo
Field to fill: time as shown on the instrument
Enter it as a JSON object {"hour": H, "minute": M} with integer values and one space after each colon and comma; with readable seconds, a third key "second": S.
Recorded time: {"hour": 3, "minute": 20}
